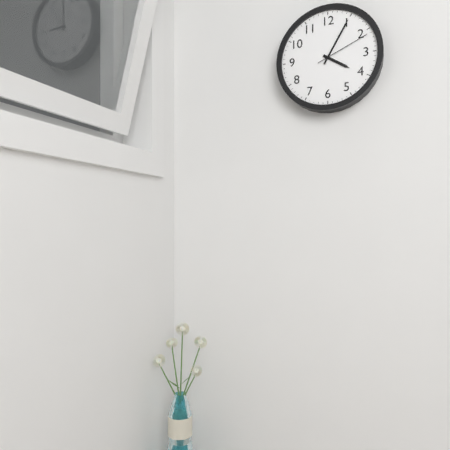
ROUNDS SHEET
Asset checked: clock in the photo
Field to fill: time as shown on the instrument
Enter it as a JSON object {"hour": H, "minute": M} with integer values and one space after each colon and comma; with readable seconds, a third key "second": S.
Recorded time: {"hour": 4, "minute": 5, "second": 11}
